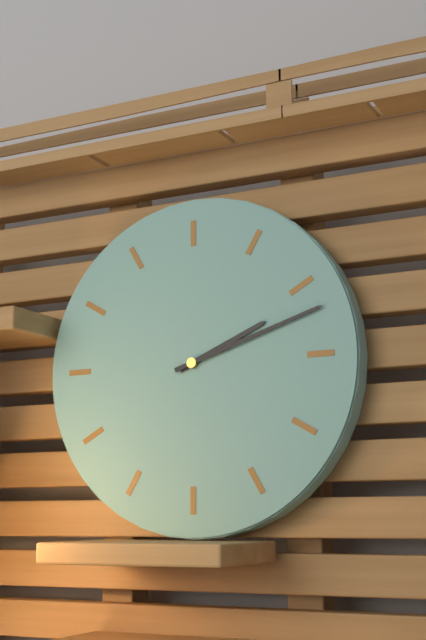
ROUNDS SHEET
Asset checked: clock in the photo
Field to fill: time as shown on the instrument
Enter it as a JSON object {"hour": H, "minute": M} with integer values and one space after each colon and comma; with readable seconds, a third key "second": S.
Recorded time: {"hour": 2, "minute": 12}
